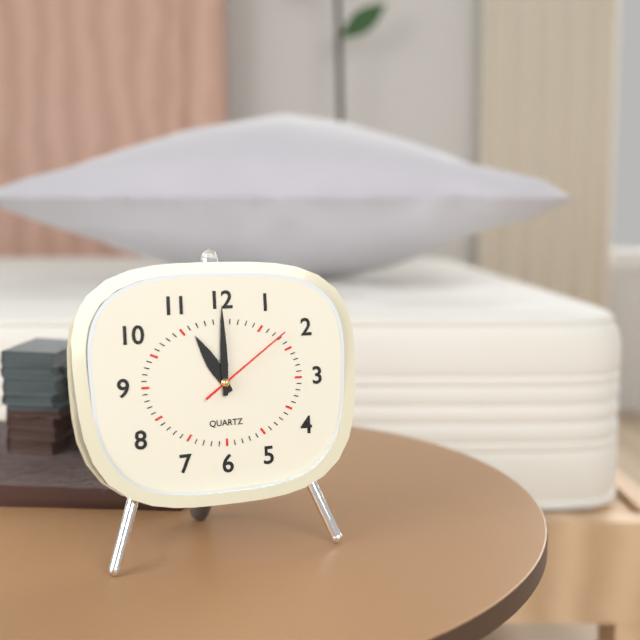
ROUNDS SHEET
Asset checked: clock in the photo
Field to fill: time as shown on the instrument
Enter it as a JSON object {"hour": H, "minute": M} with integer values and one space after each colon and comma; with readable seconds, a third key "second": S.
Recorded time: {"hour": 11, "minute": 0, "second": 9}
